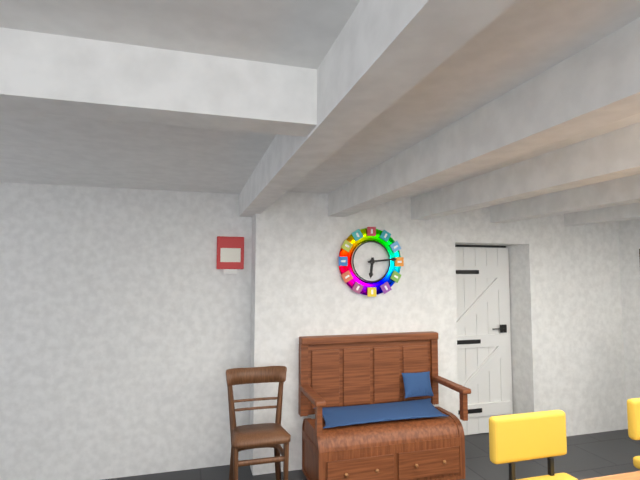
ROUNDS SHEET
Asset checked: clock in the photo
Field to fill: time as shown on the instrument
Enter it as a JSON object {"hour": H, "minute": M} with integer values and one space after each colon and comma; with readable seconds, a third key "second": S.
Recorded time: {"hour": 6, "minute": 14}
